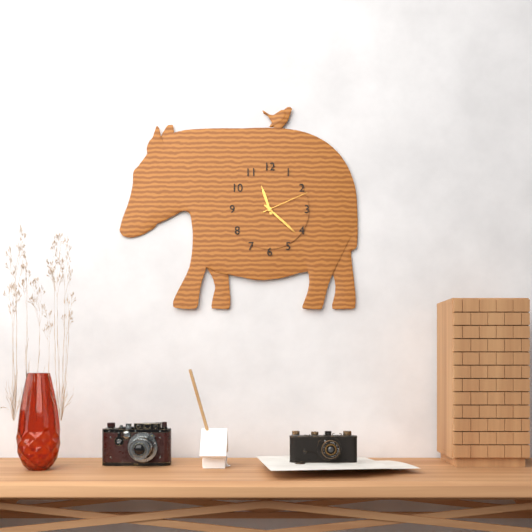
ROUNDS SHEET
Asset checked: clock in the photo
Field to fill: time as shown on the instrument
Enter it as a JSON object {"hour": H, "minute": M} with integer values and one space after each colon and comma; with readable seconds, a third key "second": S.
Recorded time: {"hour": 11, "minute": 22, "second": 11}
